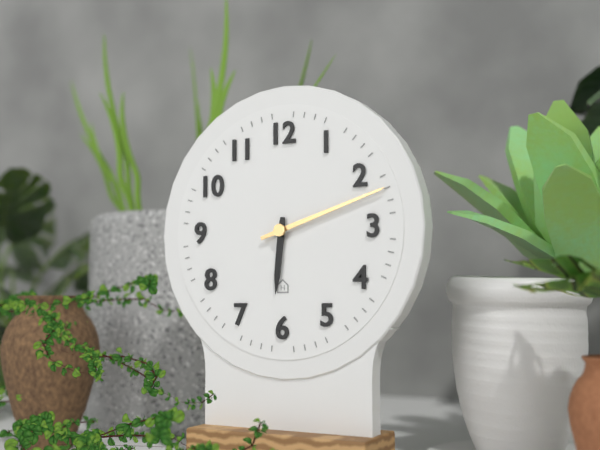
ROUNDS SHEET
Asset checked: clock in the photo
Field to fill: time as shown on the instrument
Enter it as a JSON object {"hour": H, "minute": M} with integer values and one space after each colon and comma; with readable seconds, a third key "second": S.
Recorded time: {"hour": 6, "minute": 12}
